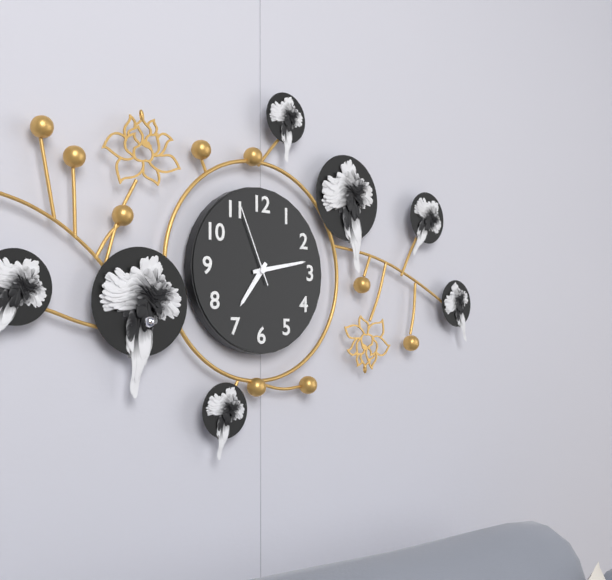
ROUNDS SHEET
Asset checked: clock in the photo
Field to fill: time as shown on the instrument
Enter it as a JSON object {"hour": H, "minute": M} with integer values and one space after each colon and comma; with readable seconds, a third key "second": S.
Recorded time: {"hour": 7, "minute": 13, "second": 56}
